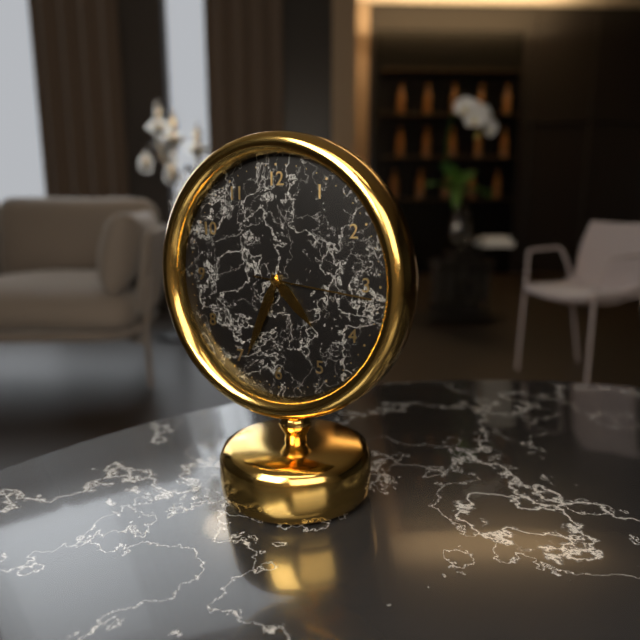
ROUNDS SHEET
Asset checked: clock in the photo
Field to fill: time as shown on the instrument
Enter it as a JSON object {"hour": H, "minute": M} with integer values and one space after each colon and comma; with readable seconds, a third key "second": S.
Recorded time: {"hour": 4, "minute": 34, "second": 16}
